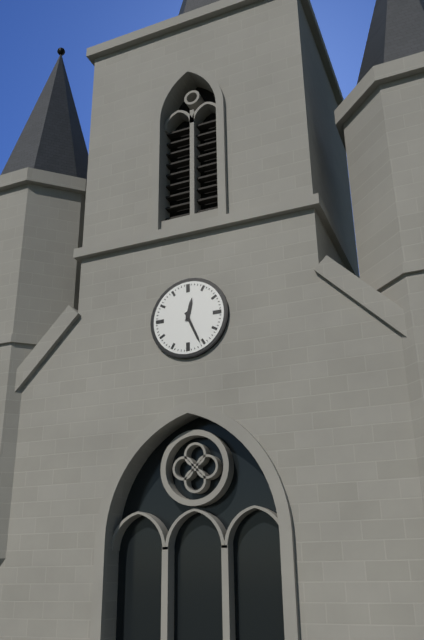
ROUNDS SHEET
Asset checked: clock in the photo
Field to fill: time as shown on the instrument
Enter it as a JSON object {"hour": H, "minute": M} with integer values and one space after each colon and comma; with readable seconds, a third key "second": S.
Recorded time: {"hour": 12, "minute": 26}
